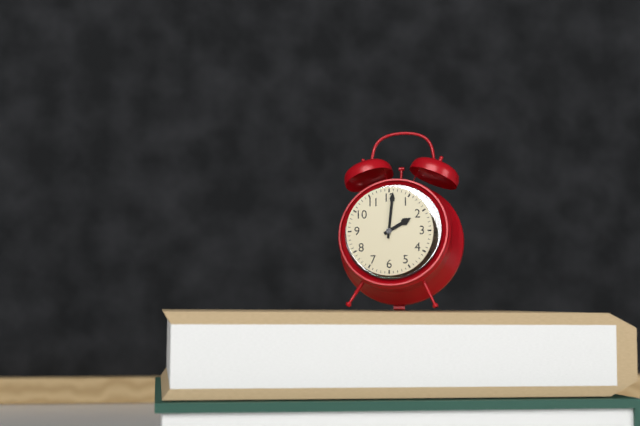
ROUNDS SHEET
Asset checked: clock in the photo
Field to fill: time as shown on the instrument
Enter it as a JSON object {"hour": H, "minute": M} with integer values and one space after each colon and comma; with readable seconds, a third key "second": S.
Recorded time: {"hour": 2, "minute": 1}
